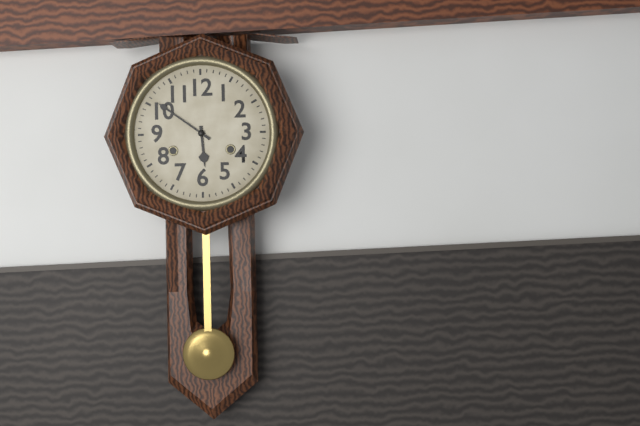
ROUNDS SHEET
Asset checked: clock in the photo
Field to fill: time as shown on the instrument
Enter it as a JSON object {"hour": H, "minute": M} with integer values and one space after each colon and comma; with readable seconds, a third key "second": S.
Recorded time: {"hour": 5, "minute": 51}
